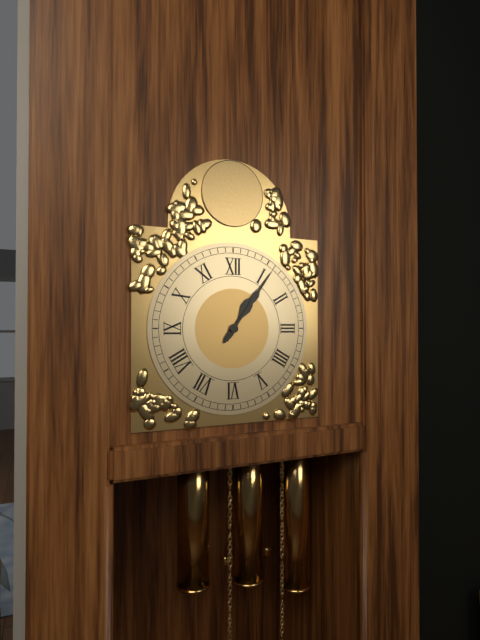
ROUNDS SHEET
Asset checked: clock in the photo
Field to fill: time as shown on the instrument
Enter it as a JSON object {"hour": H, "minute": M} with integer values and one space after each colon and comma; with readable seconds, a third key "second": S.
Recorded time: {"hour": 1, "minute": 6}
